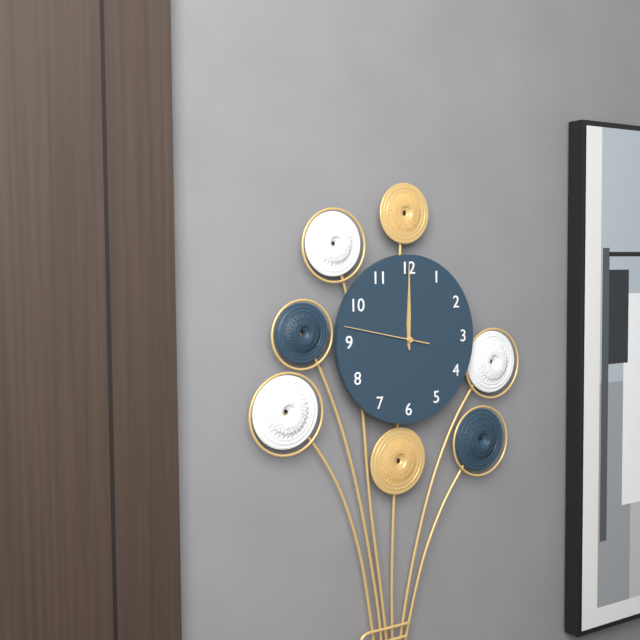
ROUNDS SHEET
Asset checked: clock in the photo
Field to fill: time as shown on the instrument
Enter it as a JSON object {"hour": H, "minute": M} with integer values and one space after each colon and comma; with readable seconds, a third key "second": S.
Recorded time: {"hour": 12, "minute": 0, "second": 47}
